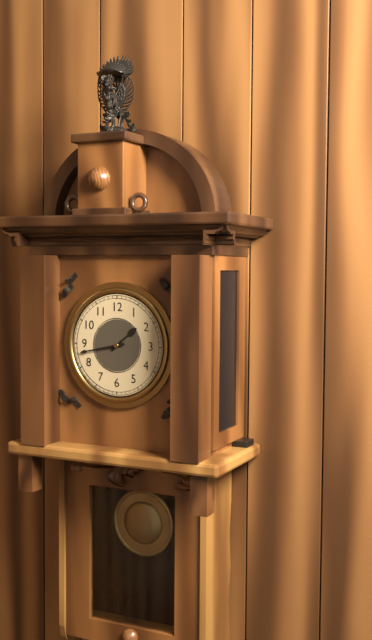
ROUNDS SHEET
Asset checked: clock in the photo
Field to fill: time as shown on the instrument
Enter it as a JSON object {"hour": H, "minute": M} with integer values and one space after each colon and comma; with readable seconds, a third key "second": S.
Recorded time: {"hour": 1, "minute": 43}
